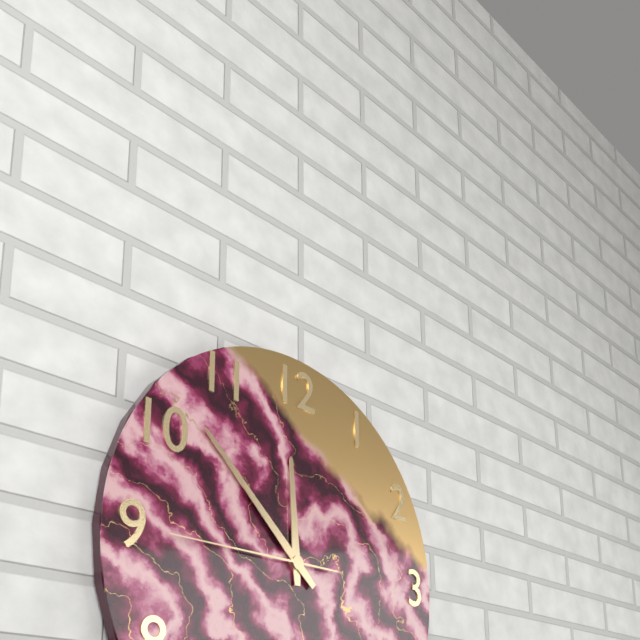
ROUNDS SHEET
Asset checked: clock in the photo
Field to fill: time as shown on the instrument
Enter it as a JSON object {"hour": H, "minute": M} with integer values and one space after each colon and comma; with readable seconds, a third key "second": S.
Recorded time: {"hour": 11, "minute": 52, "second": 45}
